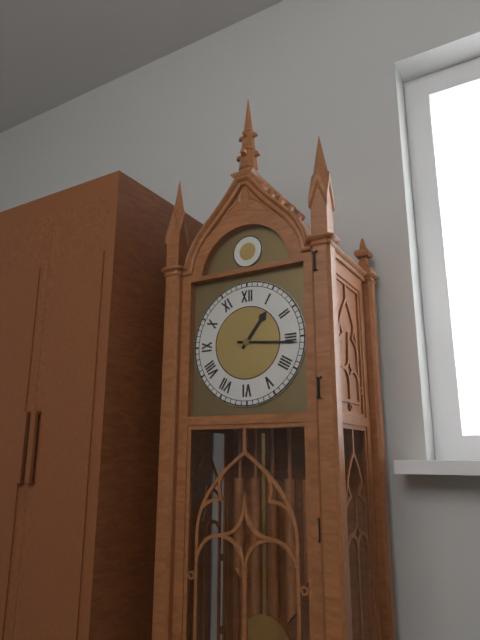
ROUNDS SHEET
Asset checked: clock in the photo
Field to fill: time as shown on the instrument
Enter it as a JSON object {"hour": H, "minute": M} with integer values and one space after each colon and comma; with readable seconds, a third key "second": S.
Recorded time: {"hour": 1, "minute": 16}
